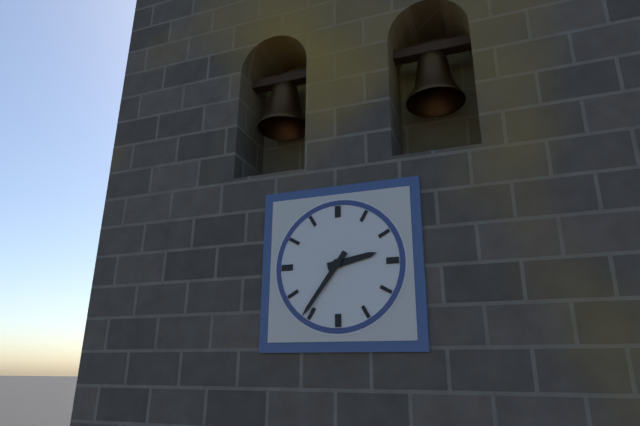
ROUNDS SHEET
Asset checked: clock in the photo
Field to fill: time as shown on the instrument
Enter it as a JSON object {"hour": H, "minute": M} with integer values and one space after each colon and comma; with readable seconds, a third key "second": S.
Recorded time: {"hour": 2, "minute": 36}
